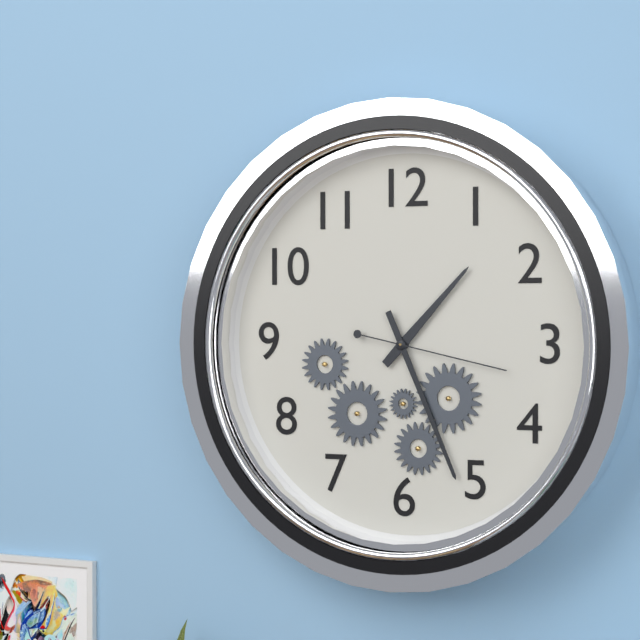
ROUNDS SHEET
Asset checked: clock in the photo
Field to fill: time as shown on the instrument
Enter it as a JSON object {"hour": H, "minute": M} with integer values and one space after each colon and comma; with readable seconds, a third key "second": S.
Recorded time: {"hour": 1, "minute": 26, "second": 17}
